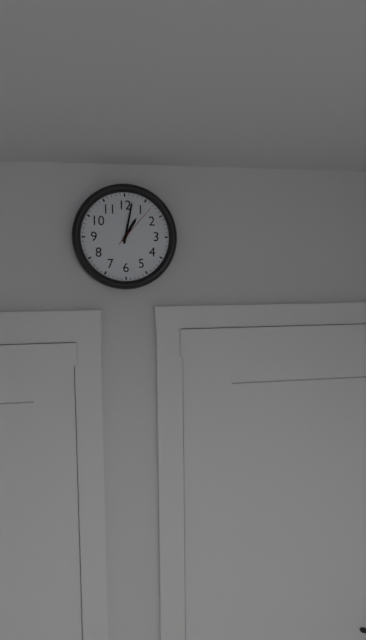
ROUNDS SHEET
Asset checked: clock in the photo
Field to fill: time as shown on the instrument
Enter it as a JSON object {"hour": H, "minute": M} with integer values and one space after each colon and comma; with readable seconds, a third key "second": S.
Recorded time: {"hour": 1, "minute": 2}
